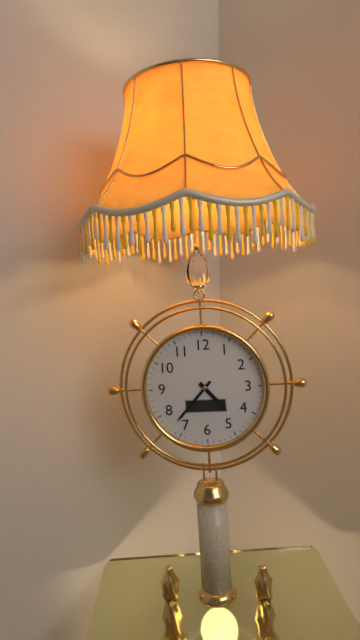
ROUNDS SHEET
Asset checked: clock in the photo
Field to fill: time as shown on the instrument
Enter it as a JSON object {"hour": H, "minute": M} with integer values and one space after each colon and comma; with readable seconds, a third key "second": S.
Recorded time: {"hour": 4, "minute": 37}
